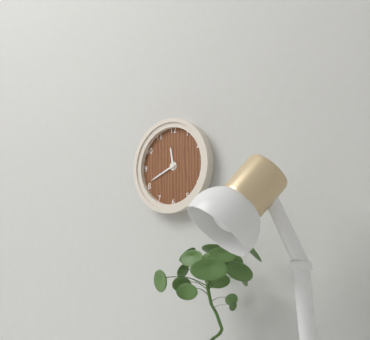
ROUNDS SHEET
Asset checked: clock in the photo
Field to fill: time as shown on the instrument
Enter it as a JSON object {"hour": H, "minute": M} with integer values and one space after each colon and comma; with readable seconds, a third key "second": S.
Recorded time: {"hour": 11, "minute": 41}
